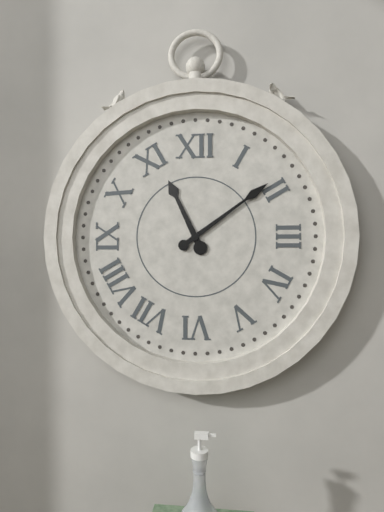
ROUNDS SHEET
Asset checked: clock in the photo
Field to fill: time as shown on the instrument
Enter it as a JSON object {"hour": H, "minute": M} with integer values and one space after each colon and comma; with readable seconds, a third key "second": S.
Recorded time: {"hour": 11, "minute": 9}
